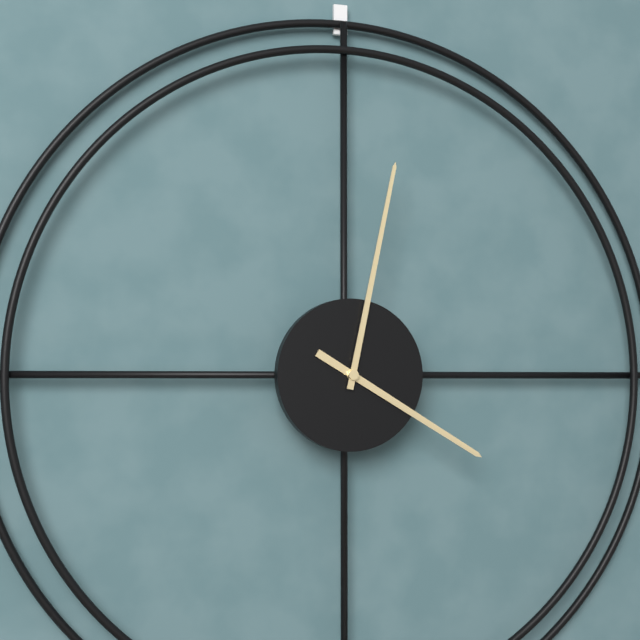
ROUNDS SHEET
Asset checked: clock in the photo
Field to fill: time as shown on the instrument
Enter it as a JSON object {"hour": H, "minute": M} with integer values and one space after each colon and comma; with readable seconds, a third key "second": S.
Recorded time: {"hour": 4, "minute": 2}
